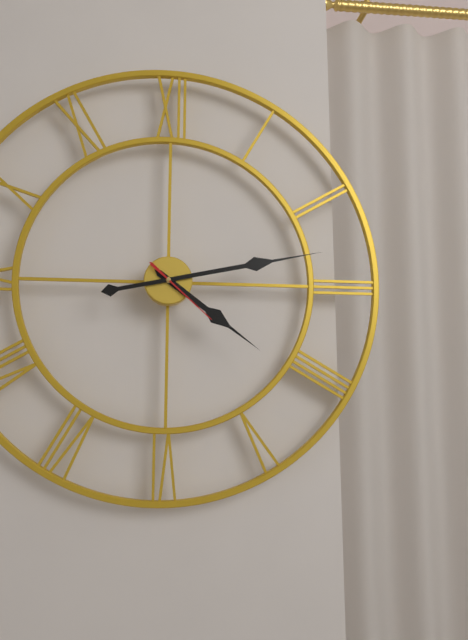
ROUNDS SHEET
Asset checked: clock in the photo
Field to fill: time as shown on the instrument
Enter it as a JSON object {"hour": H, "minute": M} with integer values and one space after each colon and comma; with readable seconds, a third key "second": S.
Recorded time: {"hour": 4, "minute": 13, "second": 22}
